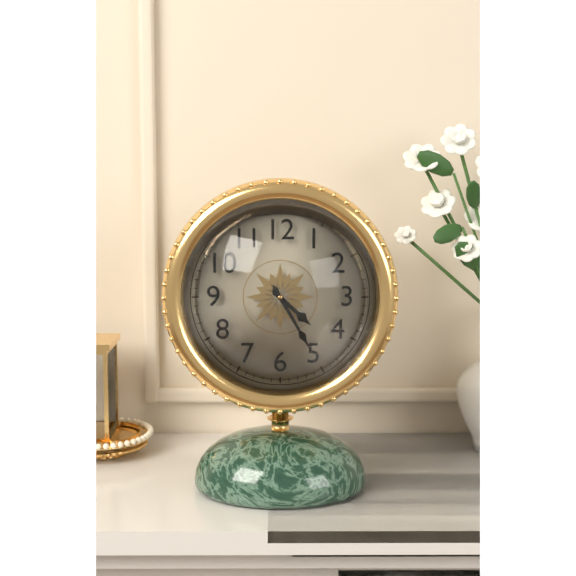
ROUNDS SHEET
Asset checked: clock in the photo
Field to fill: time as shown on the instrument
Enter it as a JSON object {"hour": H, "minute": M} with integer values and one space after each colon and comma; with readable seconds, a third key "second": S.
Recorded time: {"hour": 4, "minute": 25}
